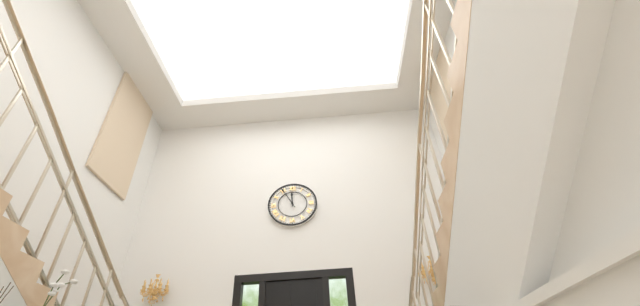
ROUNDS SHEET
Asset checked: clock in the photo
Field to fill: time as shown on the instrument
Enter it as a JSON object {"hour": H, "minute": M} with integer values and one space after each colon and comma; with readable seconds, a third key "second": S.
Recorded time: {"hour": 11, "minute": 55}
